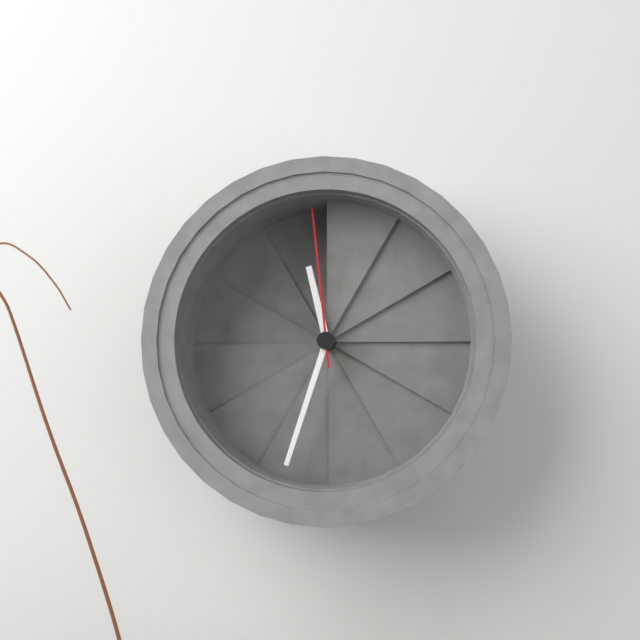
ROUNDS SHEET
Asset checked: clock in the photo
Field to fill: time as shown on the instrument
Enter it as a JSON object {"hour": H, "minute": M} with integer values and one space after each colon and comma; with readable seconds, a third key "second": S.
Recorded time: {"hour": 11, "minute": 33, "second": 59}
